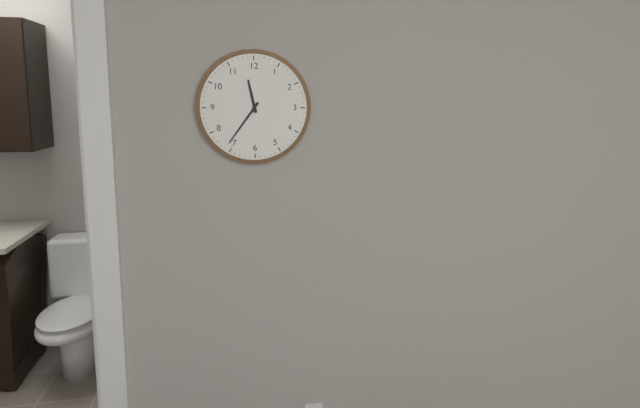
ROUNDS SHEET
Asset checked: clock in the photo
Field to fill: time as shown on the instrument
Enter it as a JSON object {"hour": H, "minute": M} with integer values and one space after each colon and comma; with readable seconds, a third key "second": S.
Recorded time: {"hour": 11, "minute": 36}
